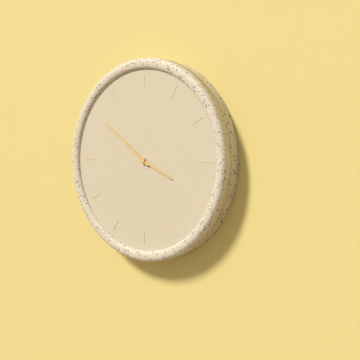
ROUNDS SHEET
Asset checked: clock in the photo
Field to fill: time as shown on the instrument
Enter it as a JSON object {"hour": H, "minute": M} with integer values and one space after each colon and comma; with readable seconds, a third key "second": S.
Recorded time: {"hour": 3, "minute": 51}
